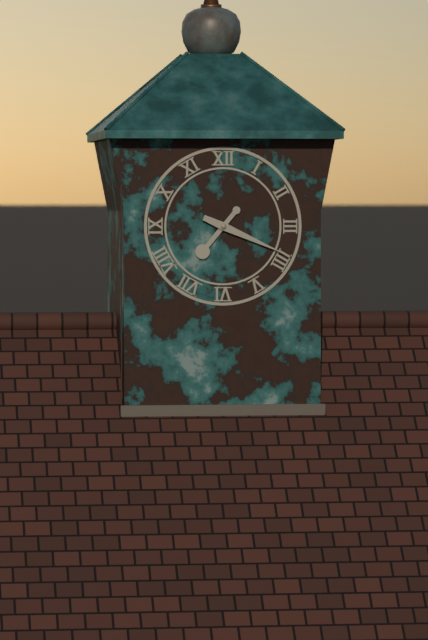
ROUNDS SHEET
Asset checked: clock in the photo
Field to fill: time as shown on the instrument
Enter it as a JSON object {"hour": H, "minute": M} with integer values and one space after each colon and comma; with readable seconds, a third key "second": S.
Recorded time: {"hour": 7, "minute": 19}
